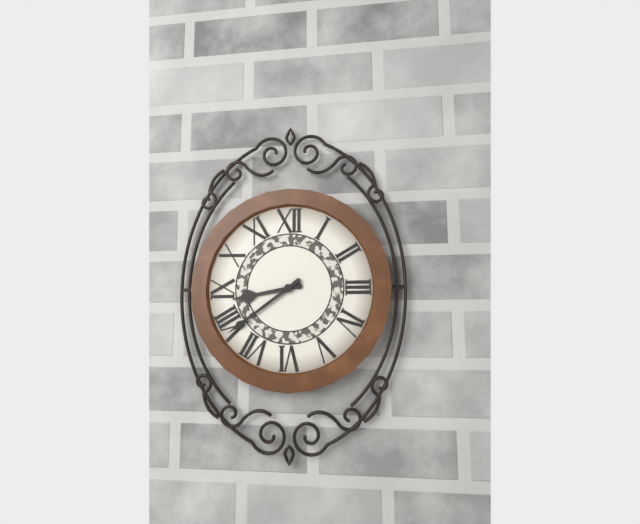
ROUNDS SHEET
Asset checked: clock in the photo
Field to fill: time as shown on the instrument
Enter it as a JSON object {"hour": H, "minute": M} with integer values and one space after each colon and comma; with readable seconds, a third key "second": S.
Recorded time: {"hour": 8, "minute": 39}
